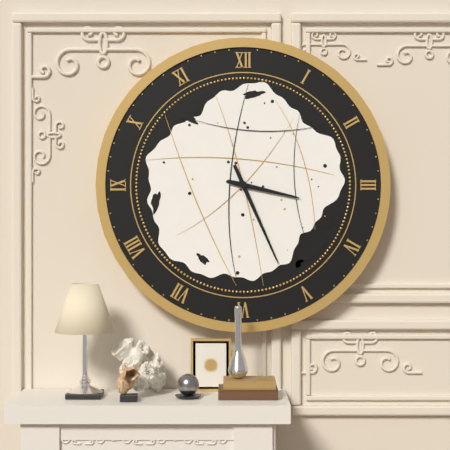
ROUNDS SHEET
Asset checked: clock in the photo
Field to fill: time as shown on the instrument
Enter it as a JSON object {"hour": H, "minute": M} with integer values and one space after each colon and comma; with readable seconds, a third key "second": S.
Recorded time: {"hour": 3, "minute": 26}
